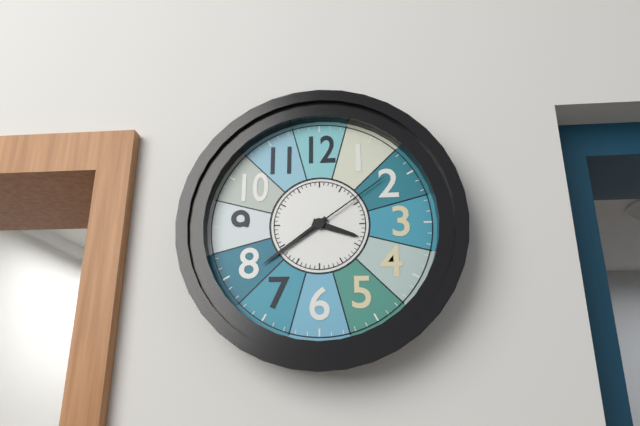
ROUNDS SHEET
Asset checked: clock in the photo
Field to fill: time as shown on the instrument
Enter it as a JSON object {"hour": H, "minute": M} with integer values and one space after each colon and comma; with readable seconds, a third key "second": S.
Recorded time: {"hour": 3, "minute": 39, "second": 9}
